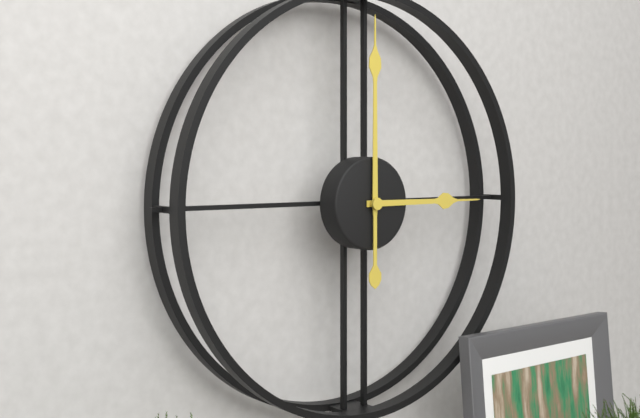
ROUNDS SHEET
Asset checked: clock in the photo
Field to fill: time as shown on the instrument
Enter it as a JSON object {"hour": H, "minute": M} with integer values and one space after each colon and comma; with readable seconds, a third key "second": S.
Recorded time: {"hour": 3, "minute": 0}
